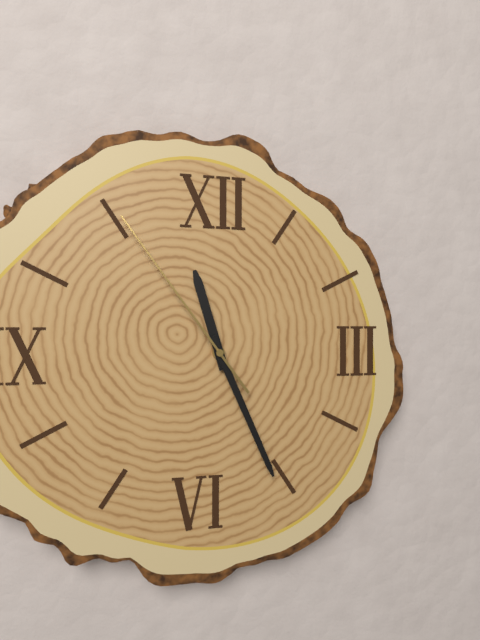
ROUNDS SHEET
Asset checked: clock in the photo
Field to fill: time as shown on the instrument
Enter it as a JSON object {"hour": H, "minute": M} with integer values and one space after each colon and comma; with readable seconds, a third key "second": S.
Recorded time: {"hour": 11, "minute": 26, "second": 54}
